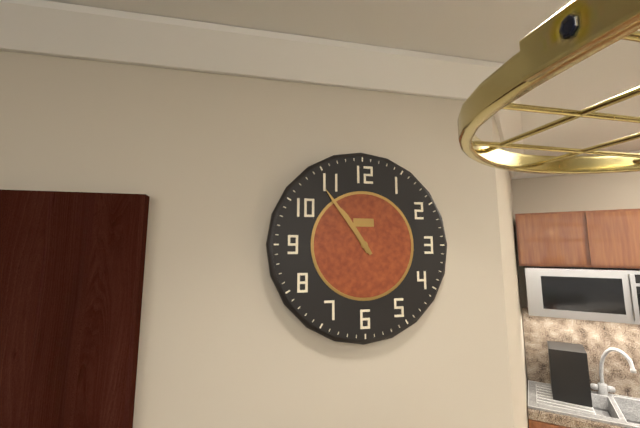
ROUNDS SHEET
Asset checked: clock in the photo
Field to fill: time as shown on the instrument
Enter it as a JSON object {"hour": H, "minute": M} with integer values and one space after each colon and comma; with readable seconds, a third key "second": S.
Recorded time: {"hour": 10, "minute": 54}
